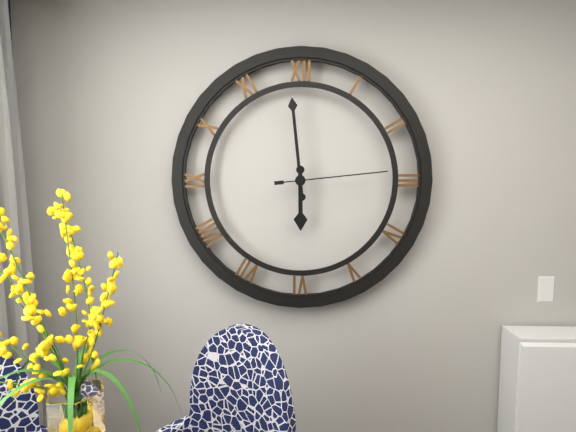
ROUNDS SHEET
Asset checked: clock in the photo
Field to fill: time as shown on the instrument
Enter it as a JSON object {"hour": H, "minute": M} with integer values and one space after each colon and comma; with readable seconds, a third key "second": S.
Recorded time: {"hour": 5, "minute": 59, "second": 14}
